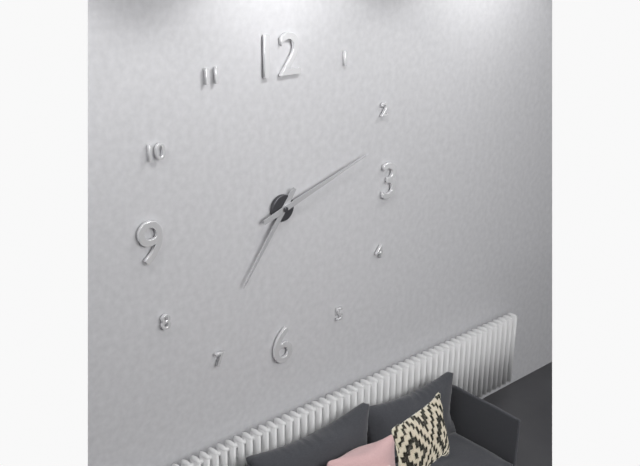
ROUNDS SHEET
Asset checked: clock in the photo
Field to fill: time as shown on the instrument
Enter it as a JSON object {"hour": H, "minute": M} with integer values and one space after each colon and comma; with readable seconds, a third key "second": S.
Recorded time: {"hour": 7, "minute": 12}
